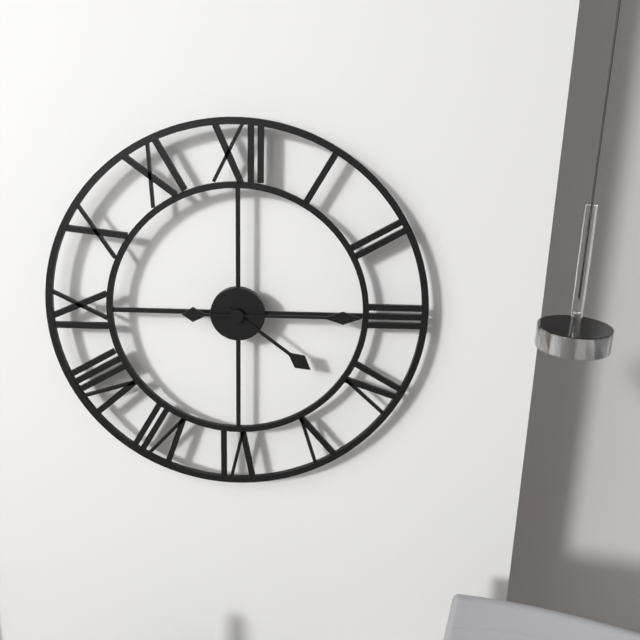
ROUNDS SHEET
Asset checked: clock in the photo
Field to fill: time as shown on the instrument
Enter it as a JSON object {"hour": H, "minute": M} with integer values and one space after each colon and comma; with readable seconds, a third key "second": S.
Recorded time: {"hour": 4, "minute": 15}
